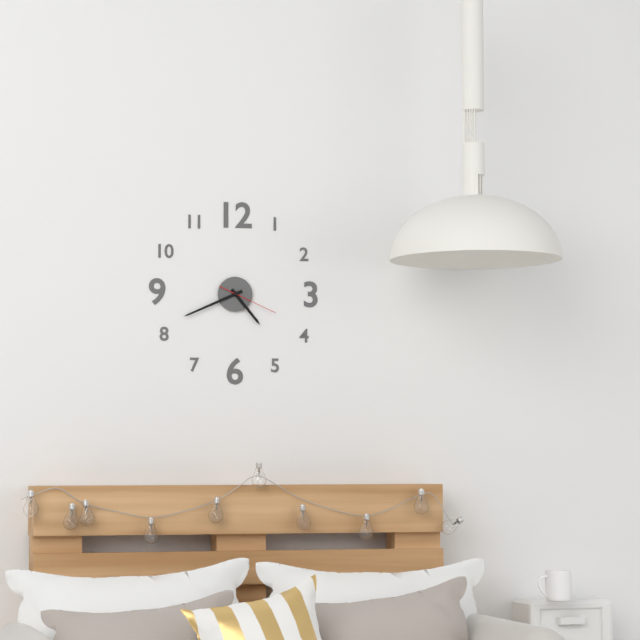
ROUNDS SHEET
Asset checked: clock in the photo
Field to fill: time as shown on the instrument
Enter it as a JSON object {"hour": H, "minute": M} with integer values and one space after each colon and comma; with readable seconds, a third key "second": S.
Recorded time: {"hour": 4, "minute": 41, "second": 19}
